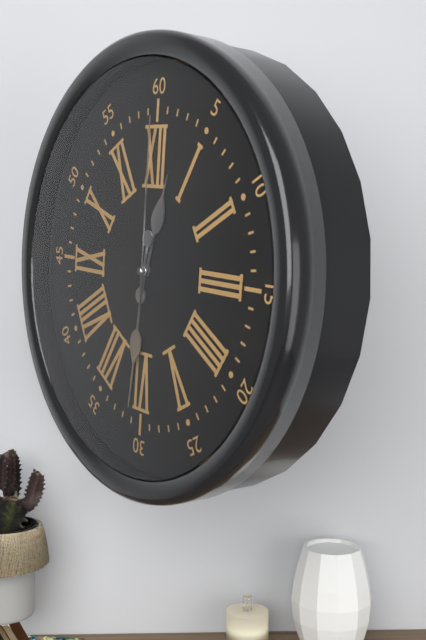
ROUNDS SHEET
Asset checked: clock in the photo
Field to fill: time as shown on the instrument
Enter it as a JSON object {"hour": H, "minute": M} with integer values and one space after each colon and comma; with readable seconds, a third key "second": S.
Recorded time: {"hour": 12, "minute": 31, "second": 0}
